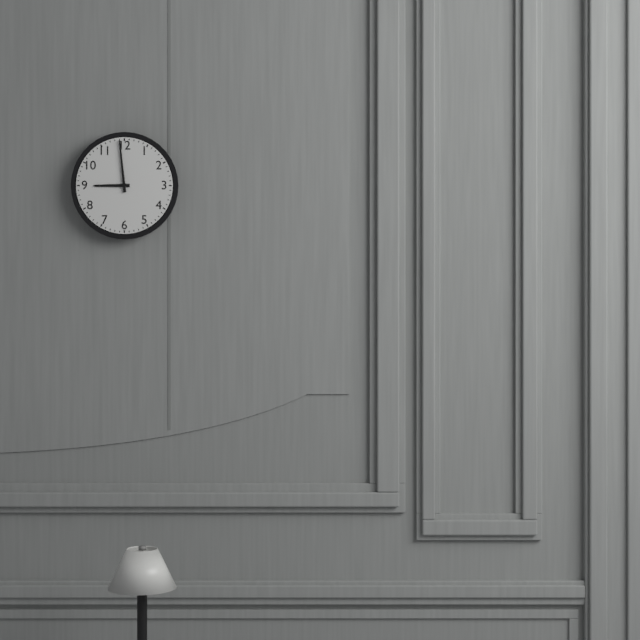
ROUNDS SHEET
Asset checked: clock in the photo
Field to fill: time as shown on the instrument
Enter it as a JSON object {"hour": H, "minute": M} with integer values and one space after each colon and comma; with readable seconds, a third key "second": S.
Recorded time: {"hour": 8, "minute": 59}
